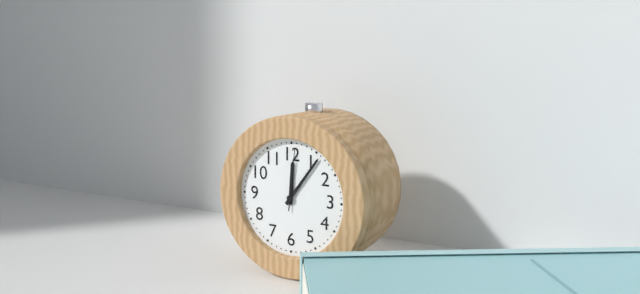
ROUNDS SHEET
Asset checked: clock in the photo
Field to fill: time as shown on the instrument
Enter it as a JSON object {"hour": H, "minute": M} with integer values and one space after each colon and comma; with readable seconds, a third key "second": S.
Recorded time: {"hour": 12, "minute": 6, "second": 1}
